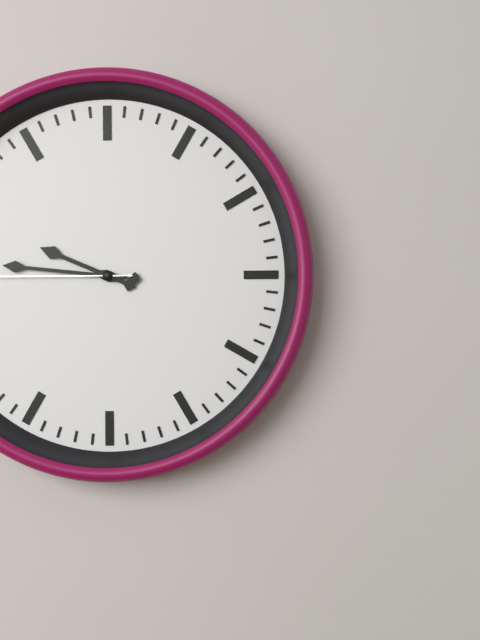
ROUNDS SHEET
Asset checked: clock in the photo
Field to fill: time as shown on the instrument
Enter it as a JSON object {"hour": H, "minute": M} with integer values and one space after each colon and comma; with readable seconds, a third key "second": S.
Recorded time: {"hour": 9, "minute": 46}
